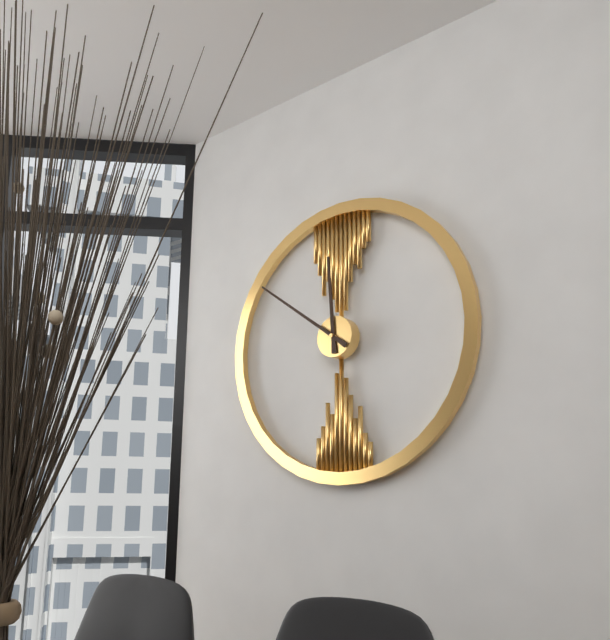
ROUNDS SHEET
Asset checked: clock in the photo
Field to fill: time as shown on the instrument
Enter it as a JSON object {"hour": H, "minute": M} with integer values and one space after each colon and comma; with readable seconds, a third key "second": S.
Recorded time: {"hour": 11, "minute": 51}
